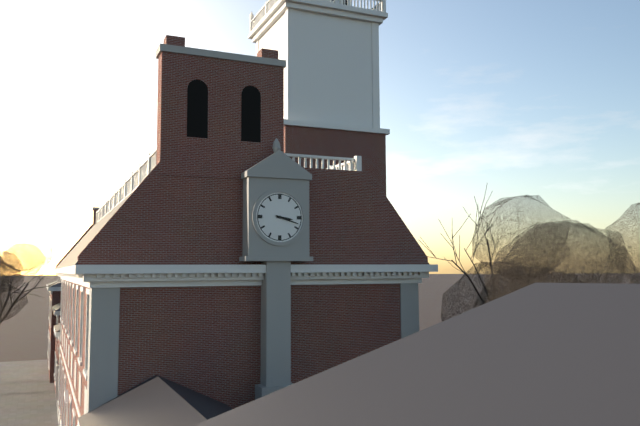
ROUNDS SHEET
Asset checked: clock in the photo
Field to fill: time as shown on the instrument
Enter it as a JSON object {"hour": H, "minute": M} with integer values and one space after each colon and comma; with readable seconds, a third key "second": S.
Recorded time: {"hour": 3, "minute": 18}
